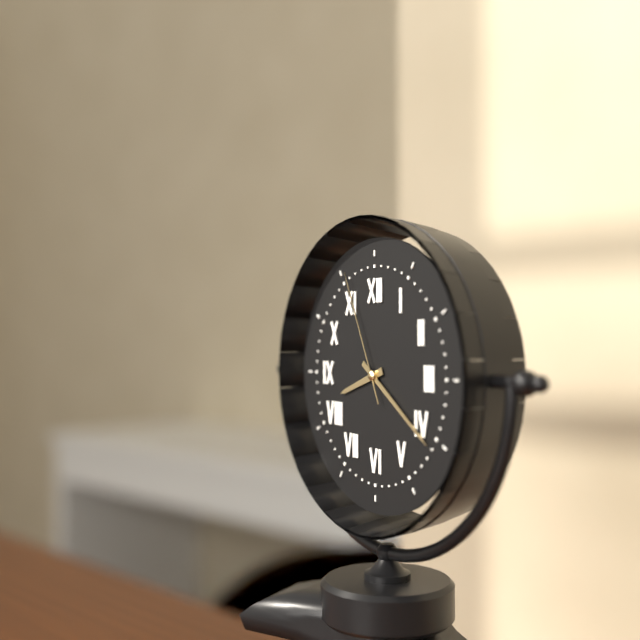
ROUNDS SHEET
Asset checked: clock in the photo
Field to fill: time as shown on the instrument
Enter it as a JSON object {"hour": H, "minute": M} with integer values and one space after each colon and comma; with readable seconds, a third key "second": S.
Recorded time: {"hour": 8, "minute": 21, "second": 56}
